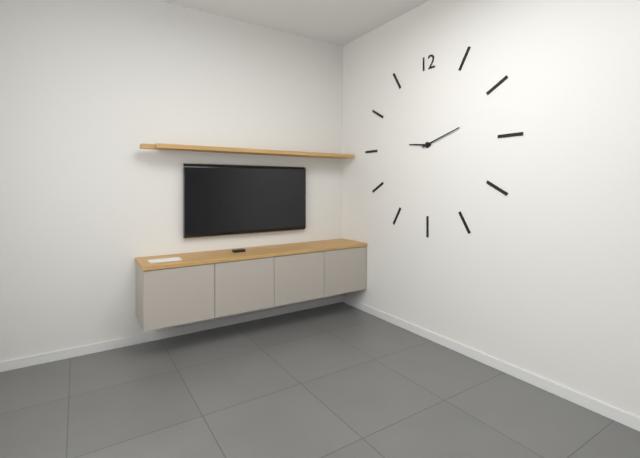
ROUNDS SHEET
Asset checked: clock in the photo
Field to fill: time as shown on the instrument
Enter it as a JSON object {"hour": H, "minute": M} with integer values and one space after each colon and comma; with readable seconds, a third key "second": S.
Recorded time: {"hour": 9, "minute": 12}
